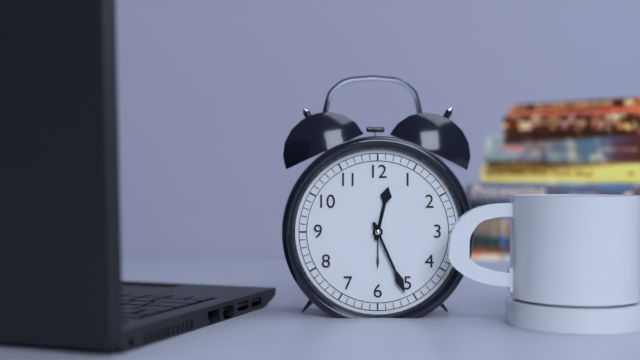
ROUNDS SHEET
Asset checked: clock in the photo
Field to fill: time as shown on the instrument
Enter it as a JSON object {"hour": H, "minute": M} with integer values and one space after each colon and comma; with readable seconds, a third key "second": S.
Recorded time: {"hour": 12, "minute": 26}
